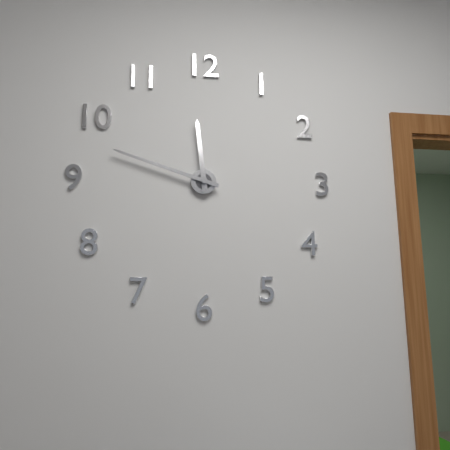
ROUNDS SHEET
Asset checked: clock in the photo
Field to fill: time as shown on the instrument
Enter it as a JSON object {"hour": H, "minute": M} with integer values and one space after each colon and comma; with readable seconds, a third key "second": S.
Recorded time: {"hour": 11, "minute": 48}
